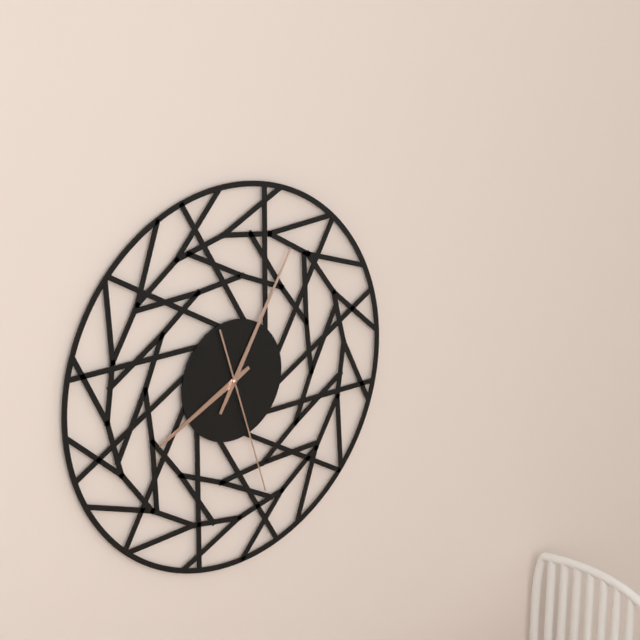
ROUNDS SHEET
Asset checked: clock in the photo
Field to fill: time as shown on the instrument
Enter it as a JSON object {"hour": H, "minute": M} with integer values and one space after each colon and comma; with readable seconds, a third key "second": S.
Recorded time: {"hour": 8, "minute": 5, "second": 27}
